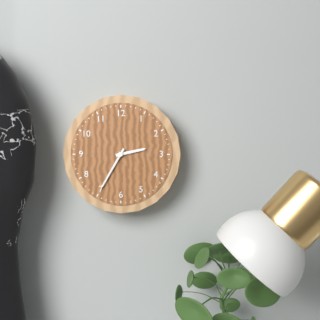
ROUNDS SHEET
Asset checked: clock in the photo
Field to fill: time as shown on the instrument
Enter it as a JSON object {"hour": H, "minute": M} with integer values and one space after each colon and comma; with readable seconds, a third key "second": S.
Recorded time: {"hour": 2, "minute": 35}
